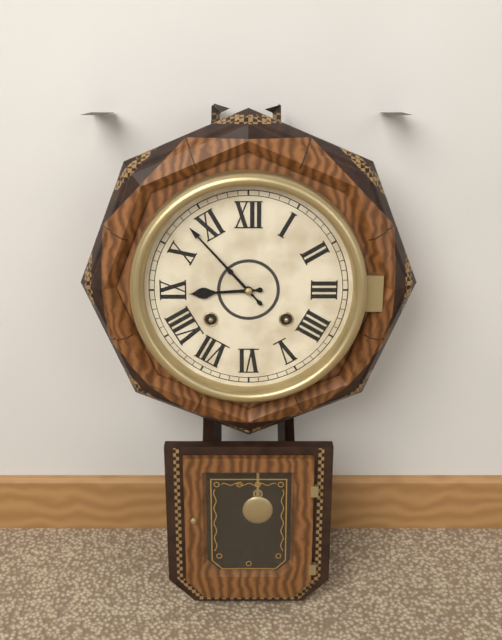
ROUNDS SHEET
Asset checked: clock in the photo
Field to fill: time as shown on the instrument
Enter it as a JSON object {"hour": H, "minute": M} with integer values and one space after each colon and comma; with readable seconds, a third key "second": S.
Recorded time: {"hour": 8, "minute": 53}
